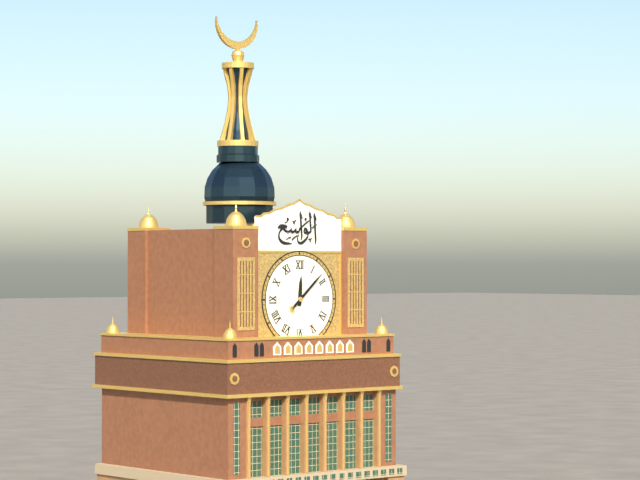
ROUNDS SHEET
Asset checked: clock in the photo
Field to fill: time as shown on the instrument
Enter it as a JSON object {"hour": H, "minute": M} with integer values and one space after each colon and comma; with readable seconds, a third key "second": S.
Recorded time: {"hour": 12, "minute": 8}
